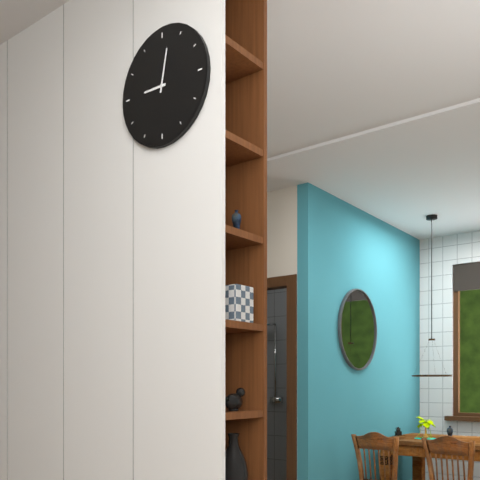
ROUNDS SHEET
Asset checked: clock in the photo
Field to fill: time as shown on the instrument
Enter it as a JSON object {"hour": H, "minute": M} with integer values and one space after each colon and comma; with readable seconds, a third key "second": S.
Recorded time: {"hour": 9, "minute": 2}
